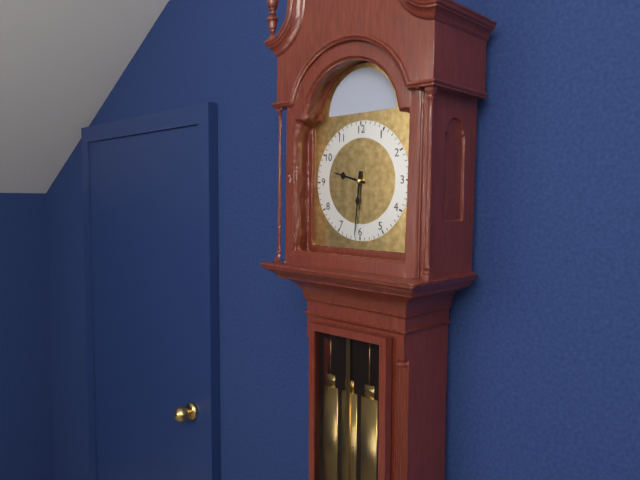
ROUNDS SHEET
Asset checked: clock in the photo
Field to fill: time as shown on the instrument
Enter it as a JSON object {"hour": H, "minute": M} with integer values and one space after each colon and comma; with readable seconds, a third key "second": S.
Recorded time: {"hour": 9, "minute": 31}
